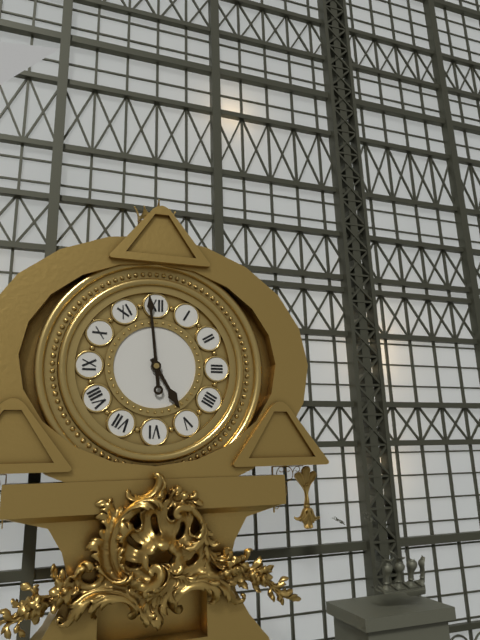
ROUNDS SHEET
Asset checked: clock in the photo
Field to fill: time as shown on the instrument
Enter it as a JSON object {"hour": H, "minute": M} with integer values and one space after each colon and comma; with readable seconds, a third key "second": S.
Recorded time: {"hour": 4, "minute": 59}
